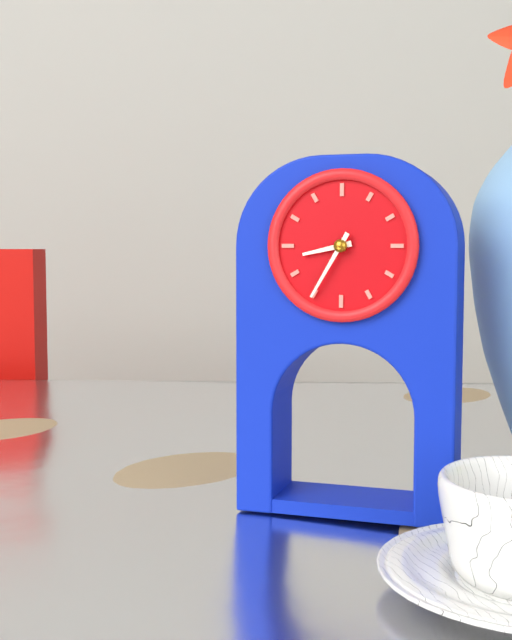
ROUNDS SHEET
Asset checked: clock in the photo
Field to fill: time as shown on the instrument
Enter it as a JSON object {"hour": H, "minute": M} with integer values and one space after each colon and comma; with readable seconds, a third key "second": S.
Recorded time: {"hour": 8, "minute": 35}
